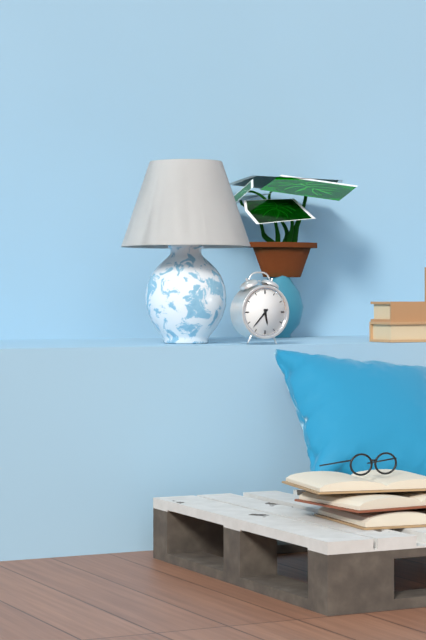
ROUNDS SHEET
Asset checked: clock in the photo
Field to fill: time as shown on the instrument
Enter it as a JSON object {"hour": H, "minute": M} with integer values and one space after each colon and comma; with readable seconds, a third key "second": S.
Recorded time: {"hour": 5, "minute": 37}
